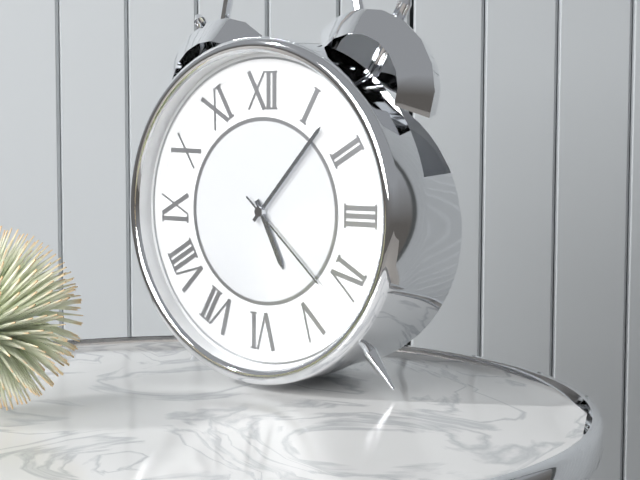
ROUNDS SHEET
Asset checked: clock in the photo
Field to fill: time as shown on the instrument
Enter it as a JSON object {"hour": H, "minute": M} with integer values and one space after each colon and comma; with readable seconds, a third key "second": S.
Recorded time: {"hour": 5, "minute": 7, "second": 22}
